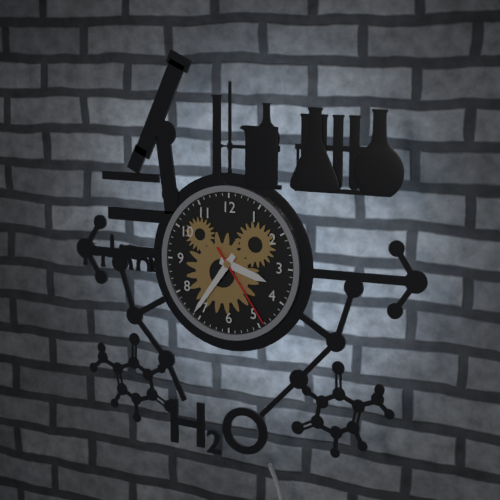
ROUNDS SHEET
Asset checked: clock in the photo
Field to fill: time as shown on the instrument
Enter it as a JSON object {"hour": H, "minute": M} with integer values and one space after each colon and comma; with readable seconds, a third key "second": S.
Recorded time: {"hour": 3, "minute": 36, "second": 24}
